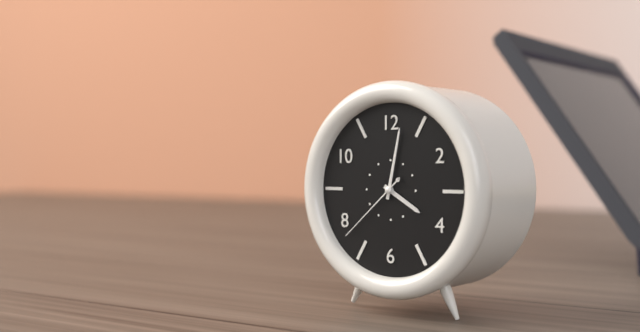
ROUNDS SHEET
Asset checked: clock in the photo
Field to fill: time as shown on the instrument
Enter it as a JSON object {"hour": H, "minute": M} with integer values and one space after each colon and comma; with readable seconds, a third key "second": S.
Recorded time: {"hour": 4, "minute": 2, "second": 38}
